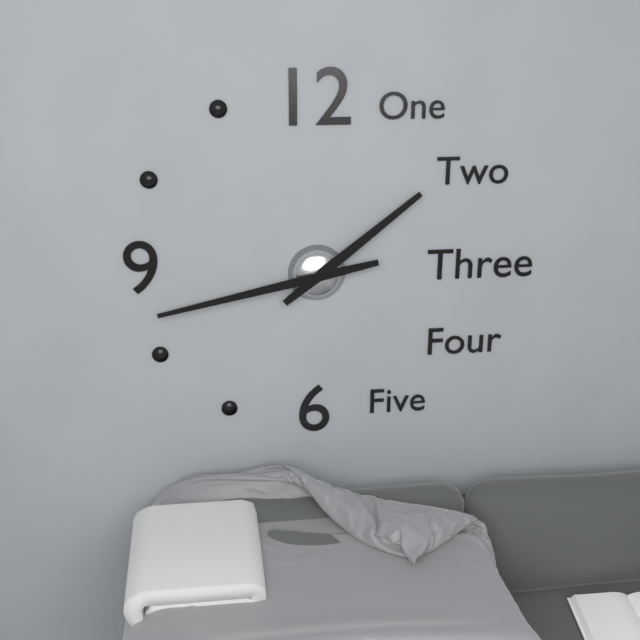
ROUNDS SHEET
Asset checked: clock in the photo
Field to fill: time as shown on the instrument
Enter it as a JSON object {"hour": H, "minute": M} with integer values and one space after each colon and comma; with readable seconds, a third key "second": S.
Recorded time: {"hour": 1, "minute": 43}
